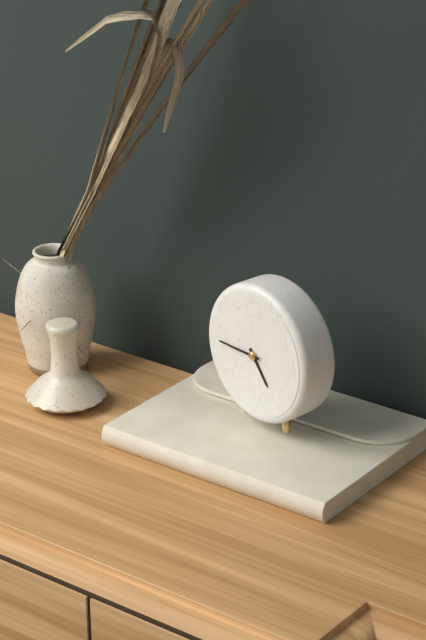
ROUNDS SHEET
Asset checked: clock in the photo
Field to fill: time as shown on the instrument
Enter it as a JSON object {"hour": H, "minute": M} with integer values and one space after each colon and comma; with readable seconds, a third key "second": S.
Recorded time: {"hour": 4, "minute": 45}
